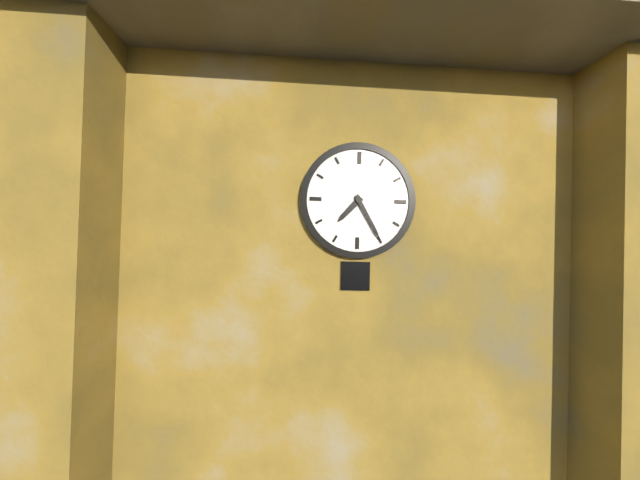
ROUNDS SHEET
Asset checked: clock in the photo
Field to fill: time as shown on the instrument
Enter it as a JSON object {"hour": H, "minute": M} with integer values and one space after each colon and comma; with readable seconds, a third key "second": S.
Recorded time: {"hour": 7, "minute": 25}
